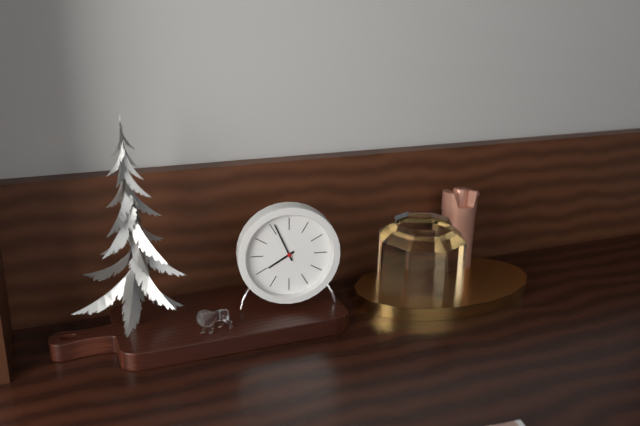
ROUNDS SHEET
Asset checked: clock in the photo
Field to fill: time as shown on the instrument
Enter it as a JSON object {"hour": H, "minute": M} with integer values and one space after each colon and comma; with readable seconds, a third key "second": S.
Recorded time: {"hour": 7, "minute": 56}
